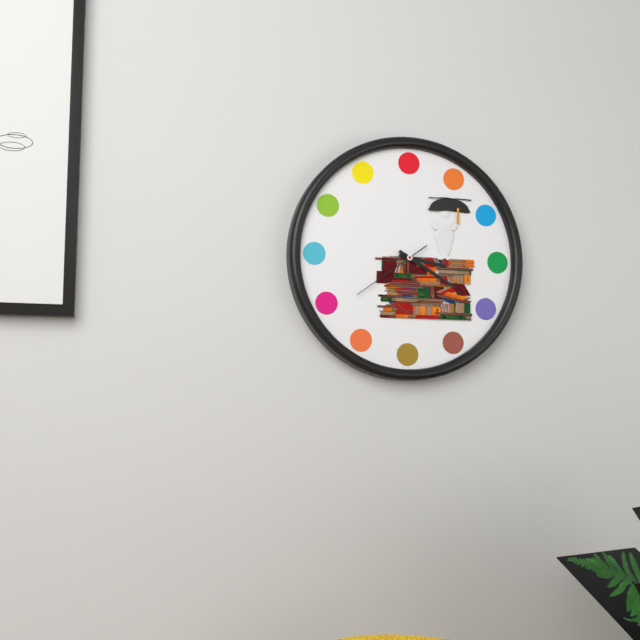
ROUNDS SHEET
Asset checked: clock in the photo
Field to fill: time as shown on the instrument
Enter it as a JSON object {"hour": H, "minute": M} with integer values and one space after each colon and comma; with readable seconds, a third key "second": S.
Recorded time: {"hour": 3, "minute": 20, "second": 39}
